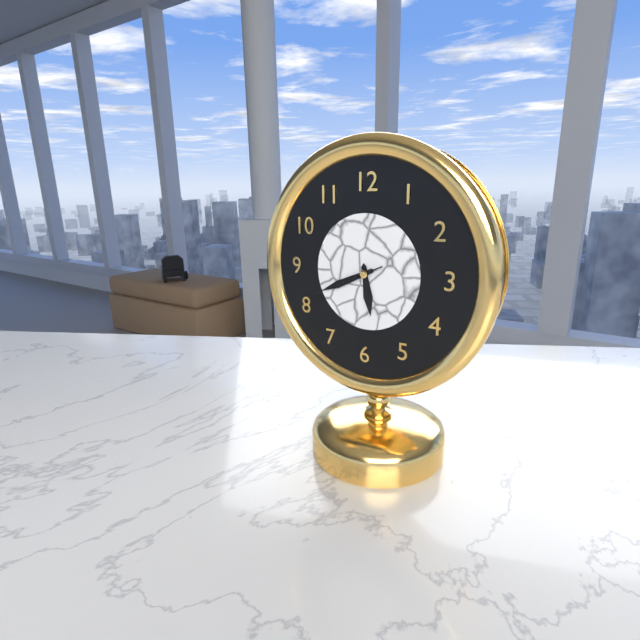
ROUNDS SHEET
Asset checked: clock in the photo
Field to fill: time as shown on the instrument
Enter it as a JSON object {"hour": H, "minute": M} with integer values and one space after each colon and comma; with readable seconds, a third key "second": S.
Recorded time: {"hour": 5, "minute": 41, "second": 41}
